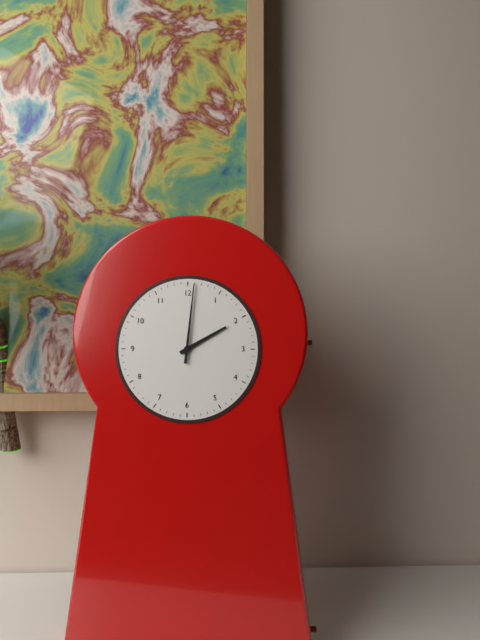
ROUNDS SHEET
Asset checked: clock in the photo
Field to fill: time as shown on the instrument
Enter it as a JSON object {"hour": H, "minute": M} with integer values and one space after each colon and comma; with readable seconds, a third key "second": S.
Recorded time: {"hour": 2, "minute": 1}
